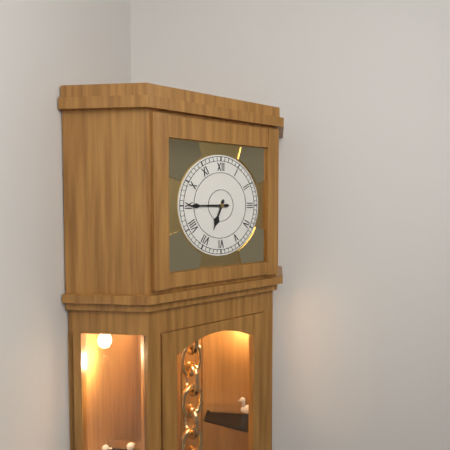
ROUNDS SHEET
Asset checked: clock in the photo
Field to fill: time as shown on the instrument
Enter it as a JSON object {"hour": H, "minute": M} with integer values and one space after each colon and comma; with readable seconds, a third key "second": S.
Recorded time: {"hour": 6, "minute": 45}
